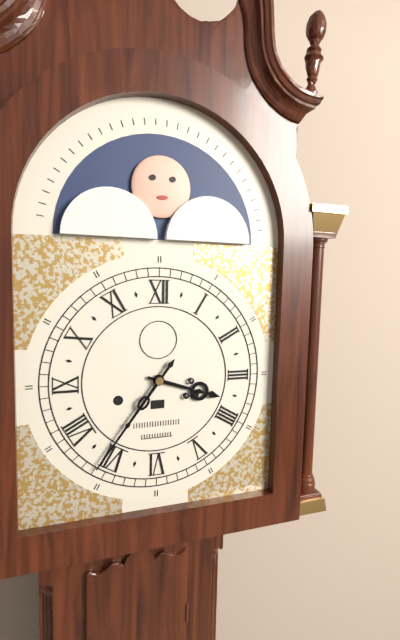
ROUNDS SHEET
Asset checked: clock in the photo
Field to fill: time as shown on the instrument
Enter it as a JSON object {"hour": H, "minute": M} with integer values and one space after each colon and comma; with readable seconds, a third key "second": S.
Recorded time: {"hour": 3, "minute": 36}
